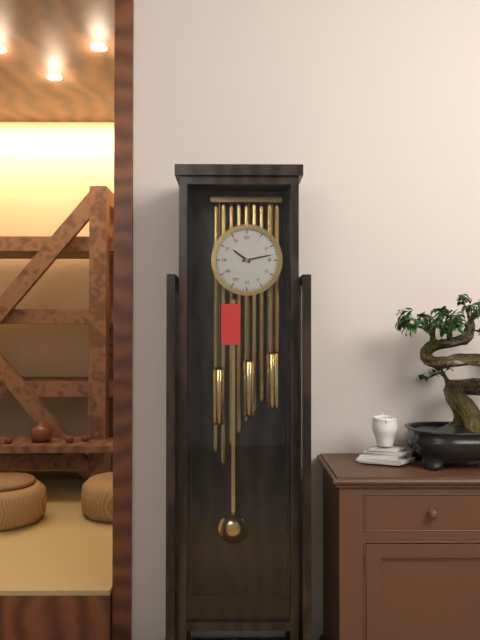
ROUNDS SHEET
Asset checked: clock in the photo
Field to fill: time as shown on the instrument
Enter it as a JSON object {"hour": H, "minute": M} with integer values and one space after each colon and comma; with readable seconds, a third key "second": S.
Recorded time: {"hour": 10, "minute": 13}
